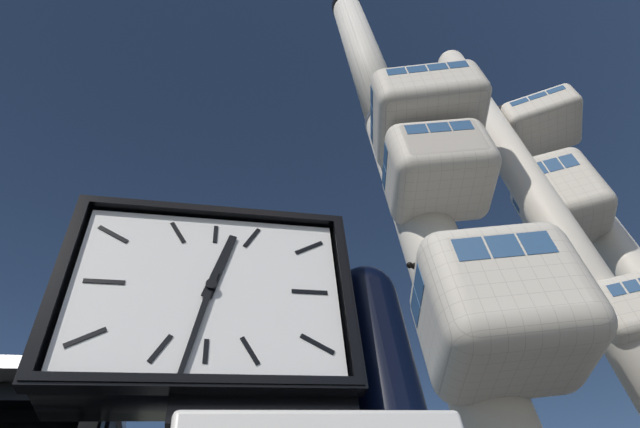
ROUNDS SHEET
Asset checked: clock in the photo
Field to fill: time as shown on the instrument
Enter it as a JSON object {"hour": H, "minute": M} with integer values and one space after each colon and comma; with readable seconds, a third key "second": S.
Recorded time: {"hour": 12, "minute": 32}
